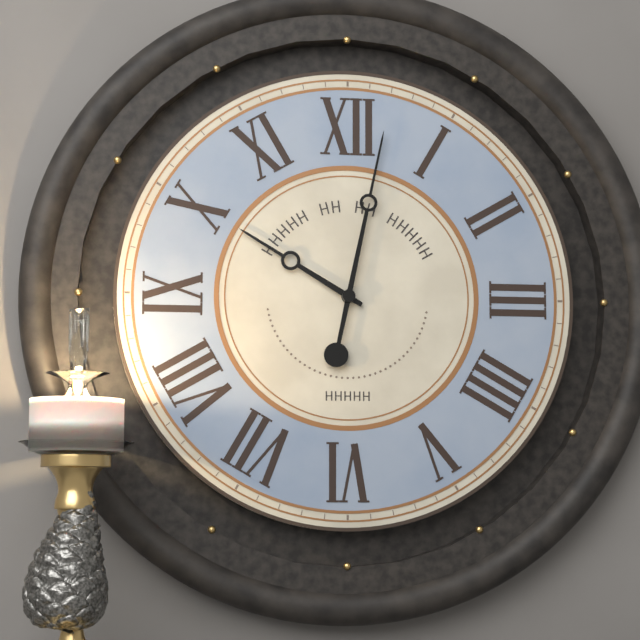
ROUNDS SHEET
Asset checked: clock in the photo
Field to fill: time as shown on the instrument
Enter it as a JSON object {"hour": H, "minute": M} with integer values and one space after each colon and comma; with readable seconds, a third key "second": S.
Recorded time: {"hour": 10, "minute": 2}
